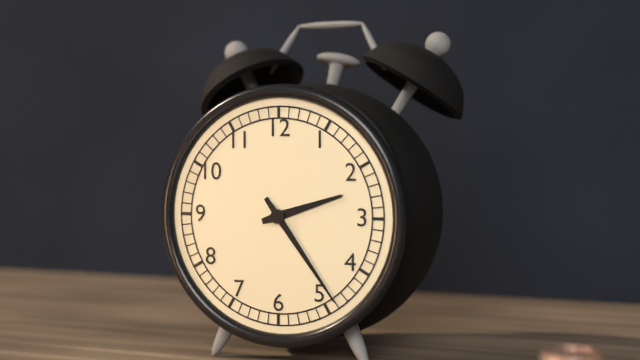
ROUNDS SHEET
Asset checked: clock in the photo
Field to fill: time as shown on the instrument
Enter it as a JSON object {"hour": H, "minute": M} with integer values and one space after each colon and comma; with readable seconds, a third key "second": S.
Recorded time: {"hour": 2, "minute": 24}
